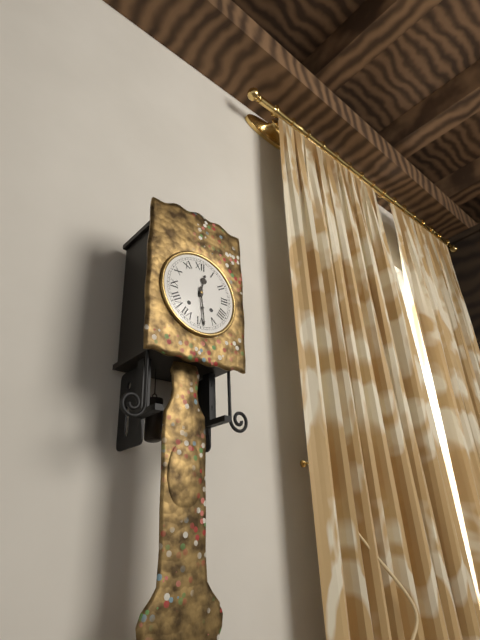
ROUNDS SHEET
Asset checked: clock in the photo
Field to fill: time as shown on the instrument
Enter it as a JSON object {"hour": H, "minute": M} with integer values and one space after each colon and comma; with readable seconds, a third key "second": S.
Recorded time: {"hour": 12, "minute": 29}
